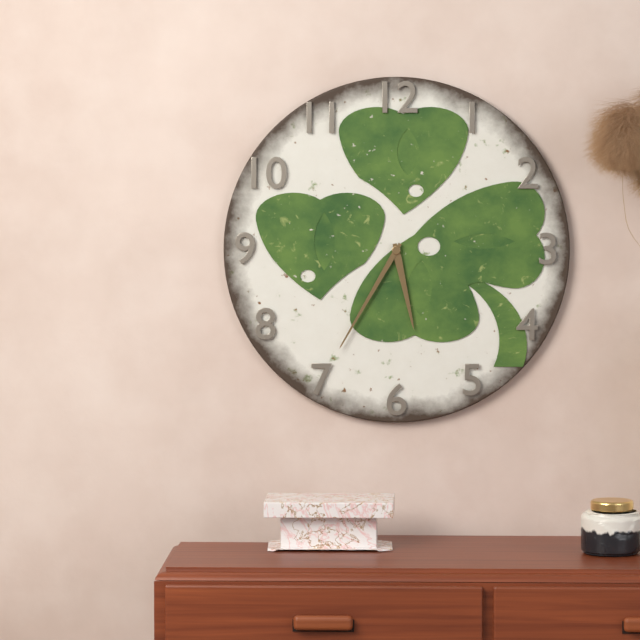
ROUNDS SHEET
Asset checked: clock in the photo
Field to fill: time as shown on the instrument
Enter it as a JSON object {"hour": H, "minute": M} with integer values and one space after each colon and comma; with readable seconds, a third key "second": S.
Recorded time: {"hour": 5, "minute": 35}
